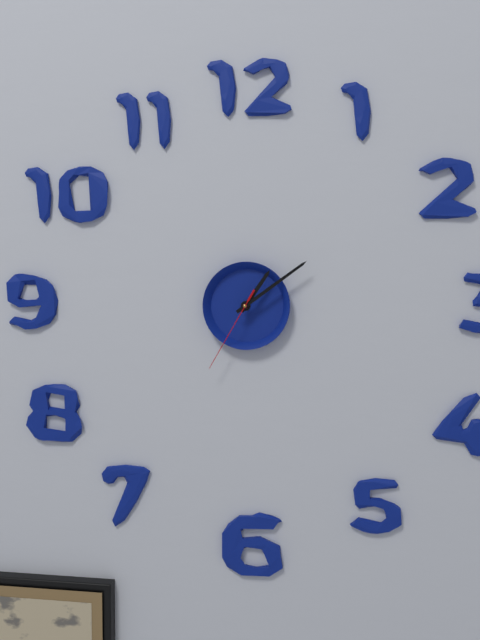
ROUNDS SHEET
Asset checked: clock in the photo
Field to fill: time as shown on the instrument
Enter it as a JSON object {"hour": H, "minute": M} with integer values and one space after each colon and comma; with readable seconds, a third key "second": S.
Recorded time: {"hour": 1, "minute": 9, "second": 35}
